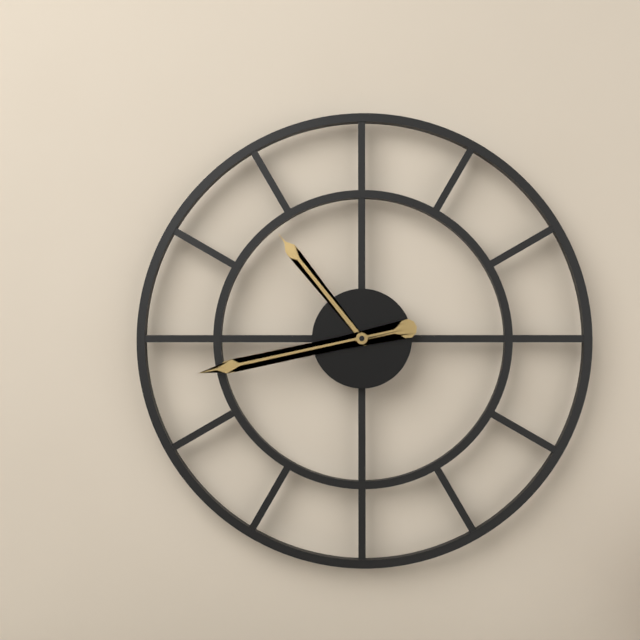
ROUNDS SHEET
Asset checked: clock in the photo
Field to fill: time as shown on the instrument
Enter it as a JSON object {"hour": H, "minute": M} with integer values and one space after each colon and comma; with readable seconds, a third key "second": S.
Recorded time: {"hour": 10, "minute": 43}
